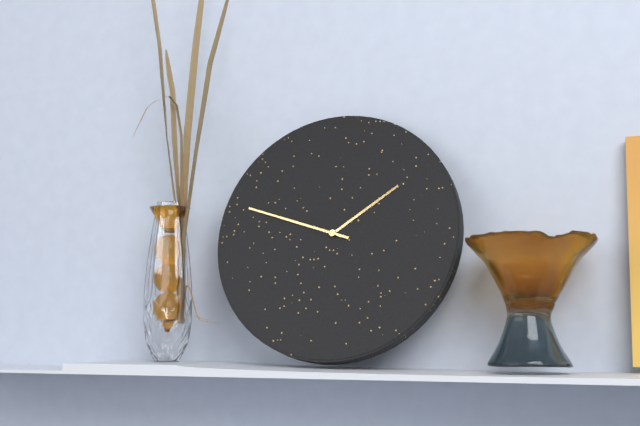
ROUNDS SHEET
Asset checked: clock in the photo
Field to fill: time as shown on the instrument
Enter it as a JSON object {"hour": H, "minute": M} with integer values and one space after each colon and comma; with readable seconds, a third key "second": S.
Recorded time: {"hour": 1, "minute": 48}
